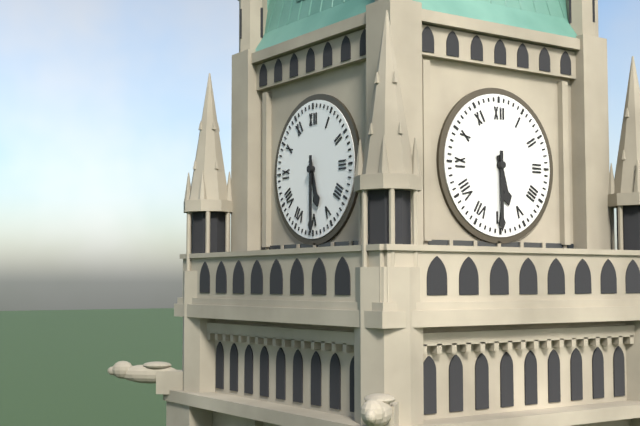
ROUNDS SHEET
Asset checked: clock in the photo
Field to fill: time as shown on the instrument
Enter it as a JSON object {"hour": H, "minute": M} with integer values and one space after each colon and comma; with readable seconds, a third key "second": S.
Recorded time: {"hour": 5, "minute": 30}
